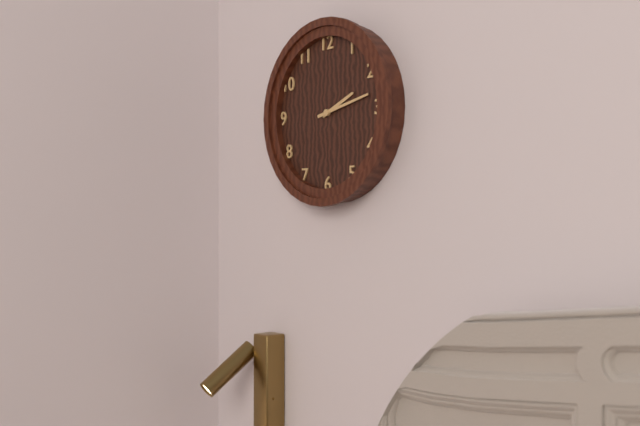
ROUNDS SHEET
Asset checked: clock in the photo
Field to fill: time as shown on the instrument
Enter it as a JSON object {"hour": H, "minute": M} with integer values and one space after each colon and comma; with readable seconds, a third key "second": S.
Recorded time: {"hour": 2, "minute": 13}
